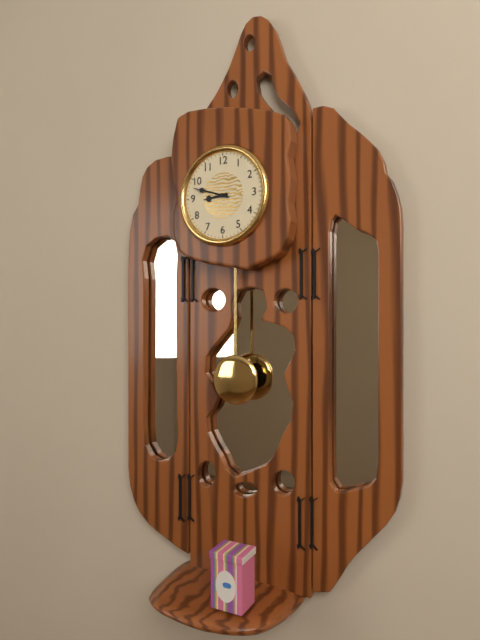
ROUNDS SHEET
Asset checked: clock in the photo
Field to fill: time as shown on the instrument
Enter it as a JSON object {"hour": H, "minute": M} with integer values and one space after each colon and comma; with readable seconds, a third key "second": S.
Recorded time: {"hour": 8, "minute": 48}
